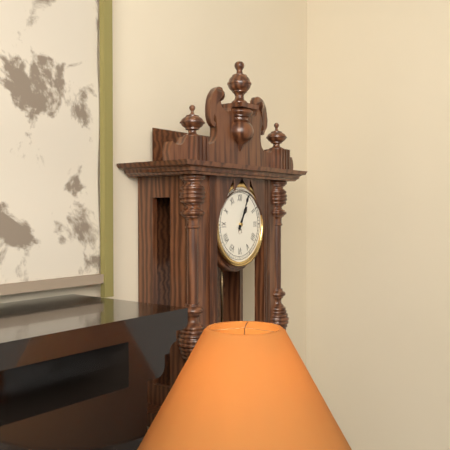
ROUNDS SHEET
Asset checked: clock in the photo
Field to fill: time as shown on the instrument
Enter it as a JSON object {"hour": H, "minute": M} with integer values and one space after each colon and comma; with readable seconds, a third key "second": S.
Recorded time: {"hour": 1, "minute": 4}
